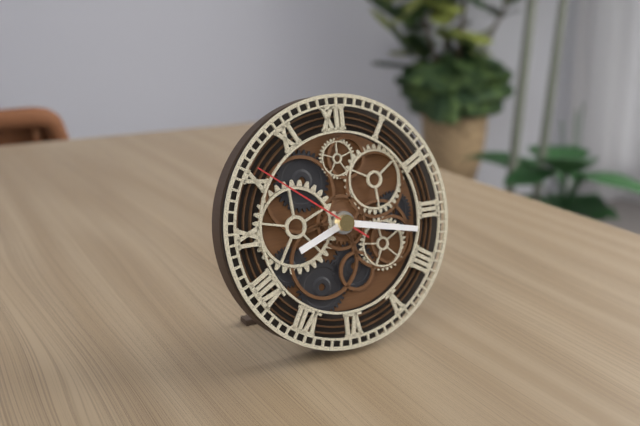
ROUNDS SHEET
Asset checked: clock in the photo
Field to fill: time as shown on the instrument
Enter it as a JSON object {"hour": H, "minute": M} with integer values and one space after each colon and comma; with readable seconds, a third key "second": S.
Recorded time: {"hour": 8, "minute": 17, "second": 51}
